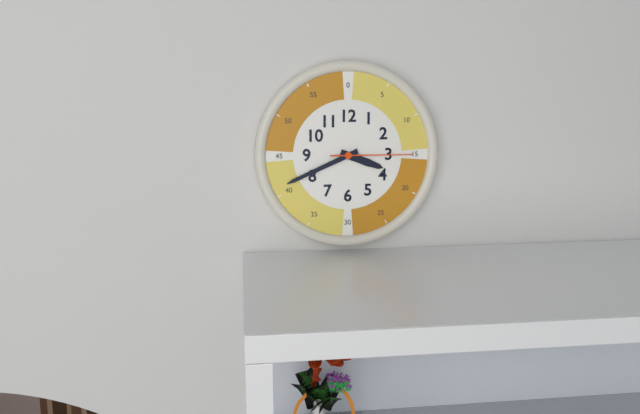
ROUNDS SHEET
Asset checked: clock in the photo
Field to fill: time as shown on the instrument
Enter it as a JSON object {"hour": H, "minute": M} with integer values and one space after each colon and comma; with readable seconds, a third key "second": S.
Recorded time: {"hour": 3, "minute": 41, "second": 15}
